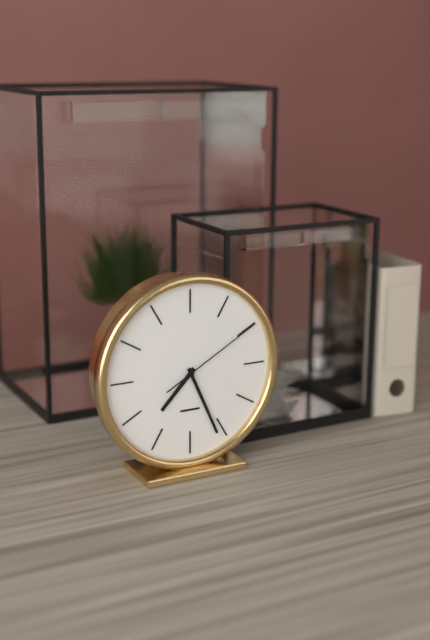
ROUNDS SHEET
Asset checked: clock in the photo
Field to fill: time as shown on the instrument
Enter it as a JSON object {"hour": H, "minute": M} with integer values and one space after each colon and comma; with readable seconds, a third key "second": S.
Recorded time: {"hour": 7, "minute": 26, "second": 10}
